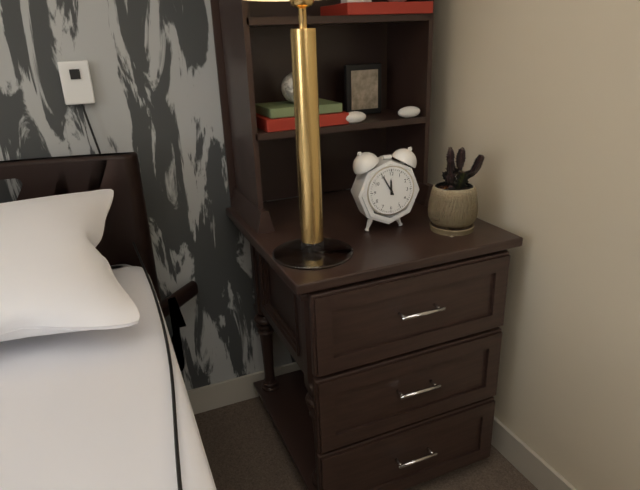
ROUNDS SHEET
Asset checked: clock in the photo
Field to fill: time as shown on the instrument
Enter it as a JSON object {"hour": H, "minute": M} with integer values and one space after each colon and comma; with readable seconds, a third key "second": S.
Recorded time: {"hour": 11, "minute": 55}
